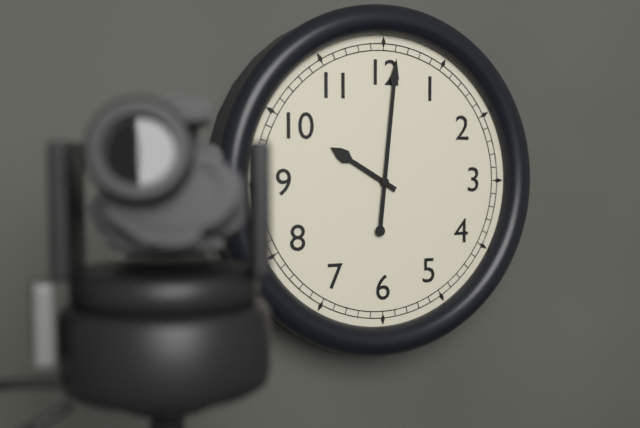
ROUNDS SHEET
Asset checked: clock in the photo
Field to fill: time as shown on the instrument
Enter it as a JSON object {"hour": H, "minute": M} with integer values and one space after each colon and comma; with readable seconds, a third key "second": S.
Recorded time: {"hour": 10, "minute": 1}
